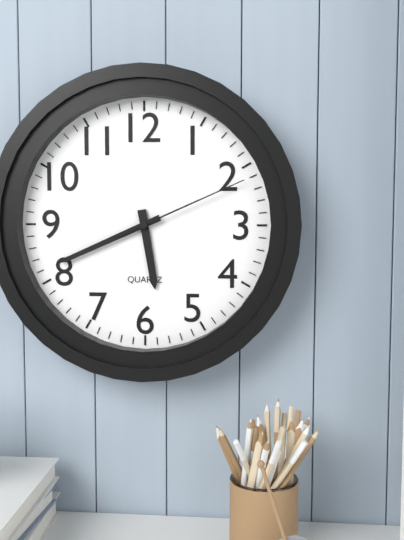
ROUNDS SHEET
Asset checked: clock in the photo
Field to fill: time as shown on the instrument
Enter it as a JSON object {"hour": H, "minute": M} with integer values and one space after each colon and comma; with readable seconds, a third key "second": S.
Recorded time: {"hour": 5, "minute": 41, "second": 11}
